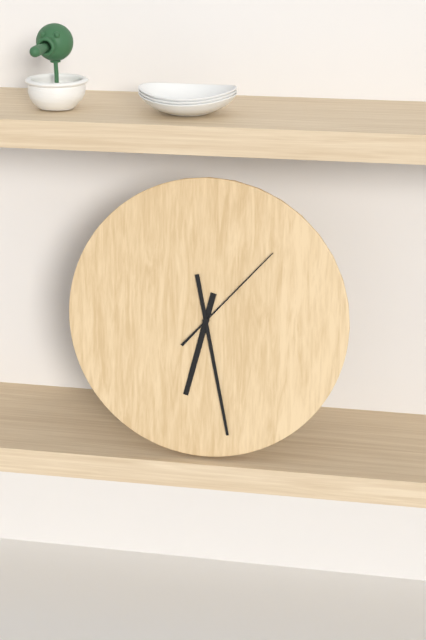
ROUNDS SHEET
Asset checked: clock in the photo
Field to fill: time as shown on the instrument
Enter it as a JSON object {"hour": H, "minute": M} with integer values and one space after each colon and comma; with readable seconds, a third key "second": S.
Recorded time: {"hour": 6, "minute": 28, "second": 7}
